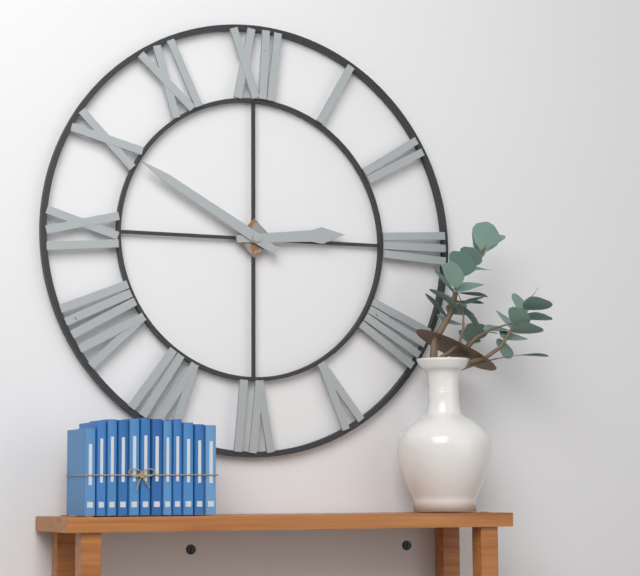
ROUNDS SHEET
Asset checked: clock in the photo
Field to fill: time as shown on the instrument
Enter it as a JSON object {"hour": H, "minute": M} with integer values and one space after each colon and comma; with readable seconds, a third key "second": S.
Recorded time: {"hour": 2, "minute": 50}
